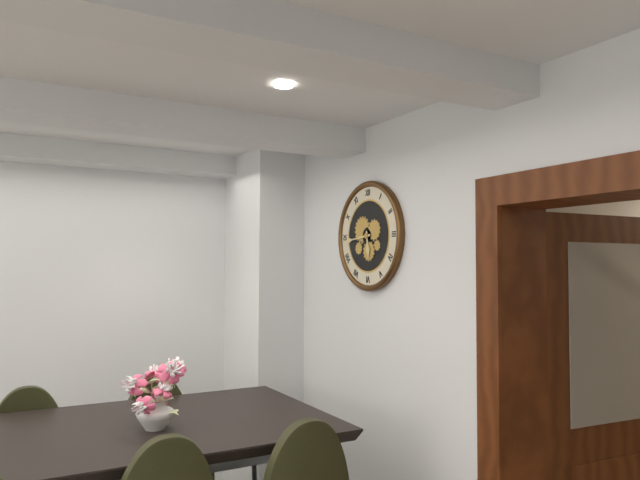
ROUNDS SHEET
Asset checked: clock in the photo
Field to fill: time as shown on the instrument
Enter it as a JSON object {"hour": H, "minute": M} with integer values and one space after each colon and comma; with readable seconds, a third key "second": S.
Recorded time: {"hour": 5, "minute": 44}
